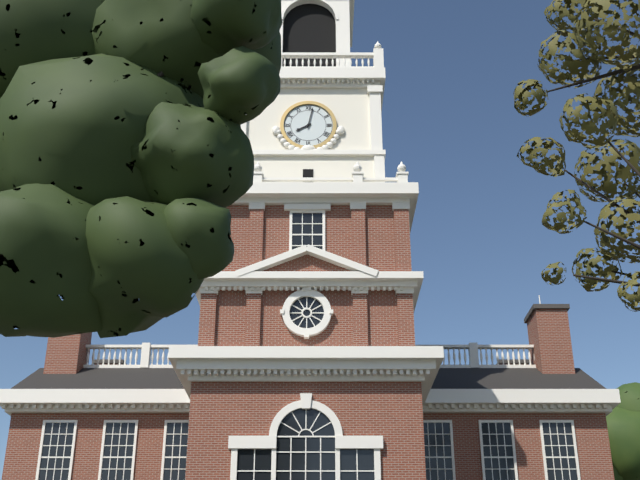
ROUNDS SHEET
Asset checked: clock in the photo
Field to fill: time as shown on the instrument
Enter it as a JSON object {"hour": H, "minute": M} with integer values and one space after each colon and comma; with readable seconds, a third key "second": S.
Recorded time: {"hour": 8, "minute": 2}
